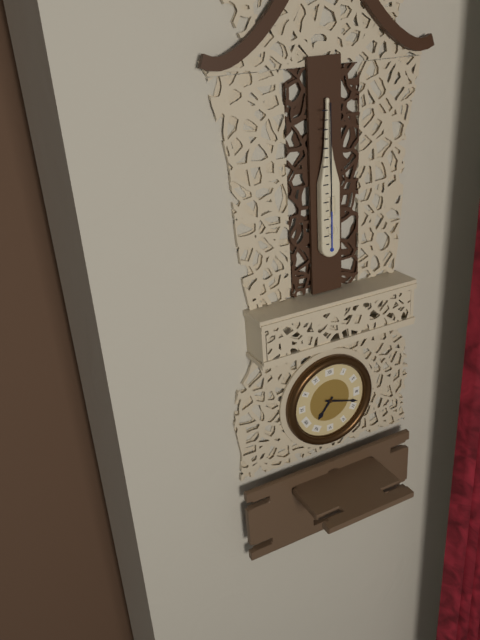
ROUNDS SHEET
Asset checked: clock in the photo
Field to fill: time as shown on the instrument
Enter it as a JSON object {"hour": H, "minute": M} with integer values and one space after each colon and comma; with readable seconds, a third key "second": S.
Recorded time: {"hour": 7, "minute": 18}
